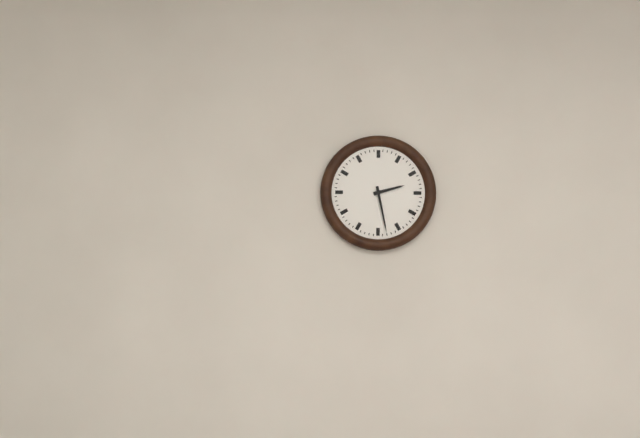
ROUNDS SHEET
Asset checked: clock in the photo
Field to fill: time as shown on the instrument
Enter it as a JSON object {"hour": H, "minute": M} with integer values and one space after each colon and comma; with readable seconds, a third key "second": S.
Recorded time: {"hour": 2, "minute": 28}
